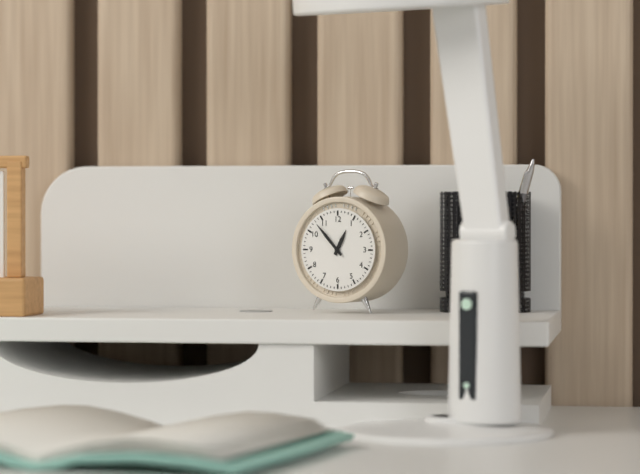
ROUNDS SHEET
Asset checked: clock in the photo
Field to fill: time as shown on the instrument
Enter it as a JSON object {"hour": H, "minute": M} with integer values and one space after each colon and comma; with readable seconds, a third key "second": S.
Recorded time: {"hour": 12, "minute": 53}
